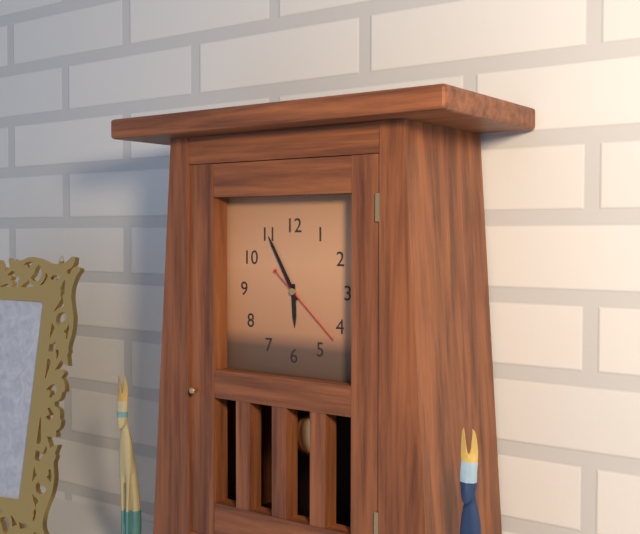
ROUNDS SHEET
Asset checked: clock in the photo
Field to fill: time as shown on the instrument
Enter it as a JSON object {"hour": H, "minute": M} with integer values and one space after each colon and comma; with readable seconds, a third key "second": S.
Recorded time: {"hour": 5, "minute": 55, "second": 22}
